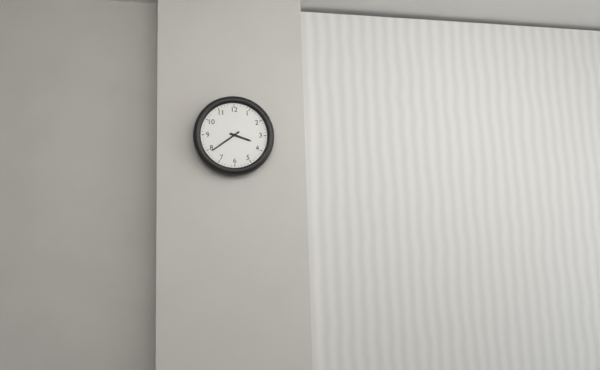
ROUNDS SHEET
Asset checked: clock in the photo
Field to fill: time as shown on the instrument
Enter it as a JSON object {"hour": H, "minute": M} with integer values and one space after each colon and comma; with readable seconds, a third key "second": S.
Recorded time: {"hour": 3, "minute": 39}
